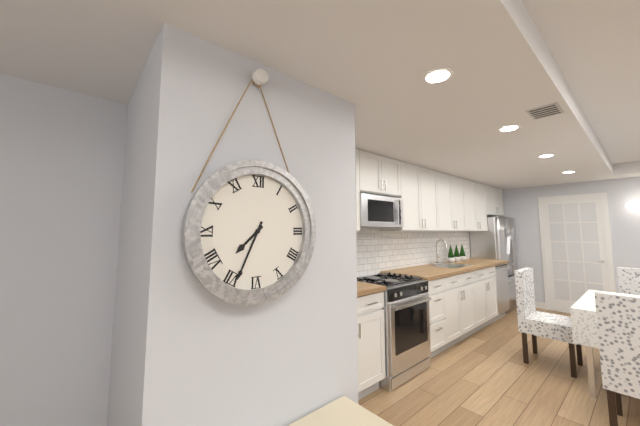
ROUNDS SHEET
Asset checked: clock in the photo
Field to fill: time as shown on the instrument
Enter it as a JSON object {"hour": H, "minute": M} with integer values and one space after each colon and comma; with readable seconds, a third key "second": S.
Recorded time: {"hour": 7, "minute": 34}
